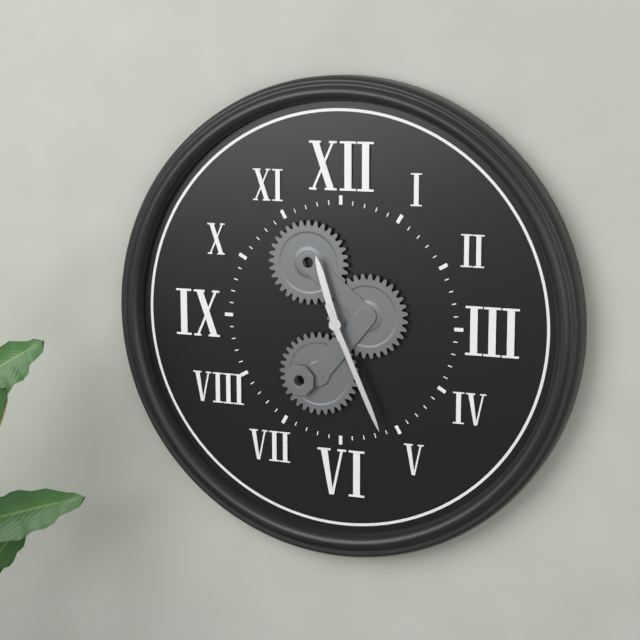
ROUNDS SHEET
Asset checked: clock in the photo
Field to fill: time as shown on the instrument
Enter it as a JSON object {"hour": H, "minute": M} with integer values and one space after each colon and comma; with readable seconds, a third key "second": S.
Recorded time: {"hour": 11, "minute": 26}
